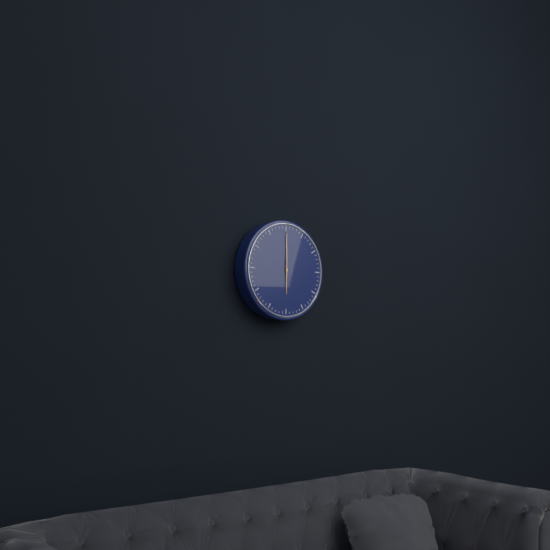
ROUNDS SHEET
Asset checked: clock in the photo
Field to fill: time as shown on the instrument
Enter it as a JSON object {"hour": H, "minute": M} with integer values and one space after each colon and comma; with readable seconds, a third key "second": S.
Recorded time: {"hour": 6, "minute": 0}
